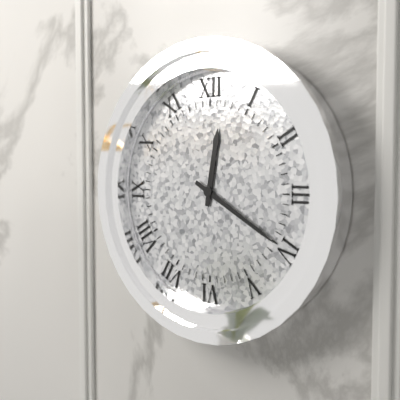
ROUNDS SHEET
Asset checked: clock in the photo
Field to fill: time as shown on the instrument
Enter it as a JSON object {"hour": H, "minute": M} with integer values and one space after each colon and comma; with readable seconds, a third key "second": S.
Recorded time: {"hour": 12, "minute": 20}
